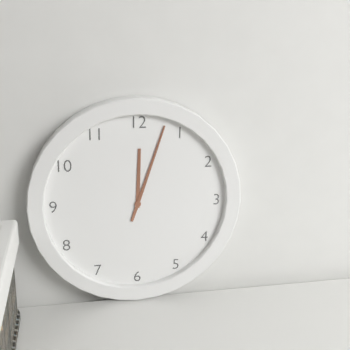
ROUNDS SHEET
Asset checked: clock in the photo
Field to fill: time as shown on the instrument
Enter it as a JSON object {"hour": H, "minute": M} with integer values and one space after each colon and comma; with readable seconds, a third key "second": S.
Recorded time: {"hour": 12, "minute": 3}
